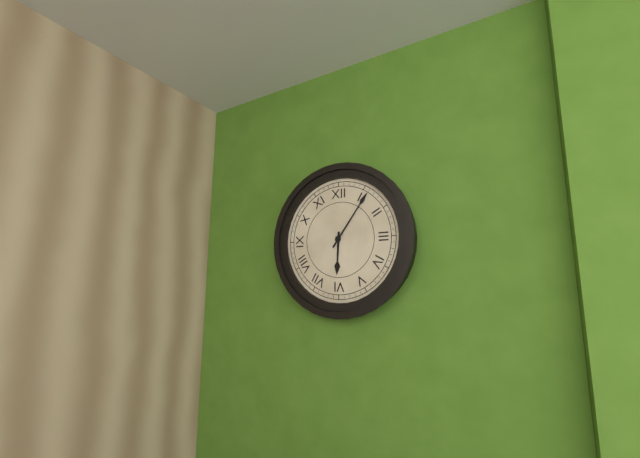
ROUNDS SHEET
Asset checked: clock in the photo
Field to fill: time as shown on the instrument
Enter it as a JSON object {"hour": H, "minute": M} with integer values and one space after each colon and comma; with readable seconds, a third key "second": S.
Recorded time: {"hour": 6, "minute": 6}
